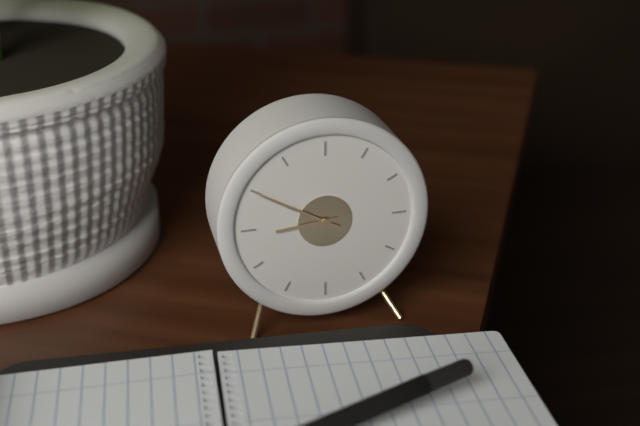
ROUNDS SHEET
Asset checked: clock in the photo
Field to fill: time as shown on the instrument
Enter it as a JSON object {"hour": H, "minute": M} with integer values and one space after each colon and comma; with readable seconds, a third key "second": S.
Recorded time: {"hour": 8, "minute": 50}
